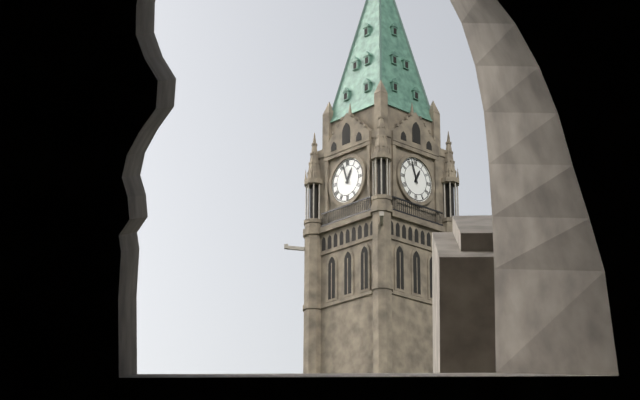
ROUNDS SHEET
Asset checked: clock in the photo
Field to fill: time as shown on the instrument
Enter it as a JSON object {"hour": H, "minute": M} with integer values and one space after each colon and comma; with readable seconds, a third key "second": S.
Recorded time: {"hour": 12, "minute": 57}
